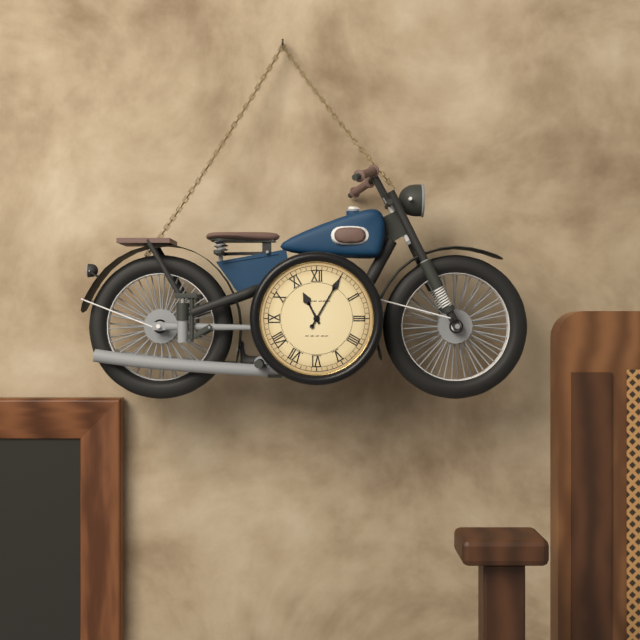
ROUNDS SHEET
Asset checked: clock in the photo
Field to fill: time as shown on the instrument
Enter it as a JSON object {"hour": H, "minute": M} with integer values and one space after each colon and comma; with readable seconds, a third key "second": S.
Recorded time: {"hour": 11, "minute": 5}
